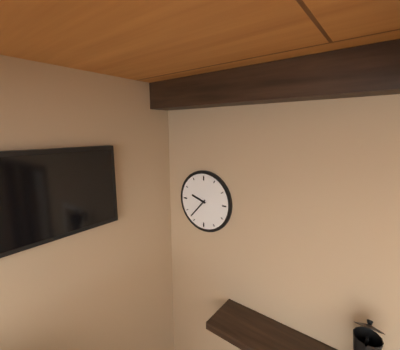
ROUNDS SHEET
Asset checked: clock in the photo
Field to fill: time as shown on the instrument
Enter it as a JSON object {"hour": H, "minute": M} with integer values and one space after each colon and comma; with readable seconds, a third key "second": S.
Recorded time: {"hour": 9, "minute": 37}
